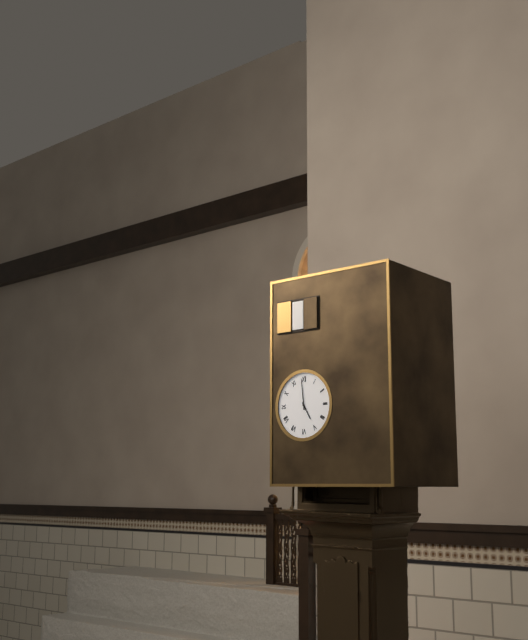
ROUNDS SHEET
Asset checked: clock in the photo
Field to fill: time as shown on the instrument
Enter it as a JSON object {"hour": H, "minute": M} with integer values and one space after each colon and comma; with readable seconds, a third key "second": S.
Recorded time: {"hour": 4, "minute": 59}
